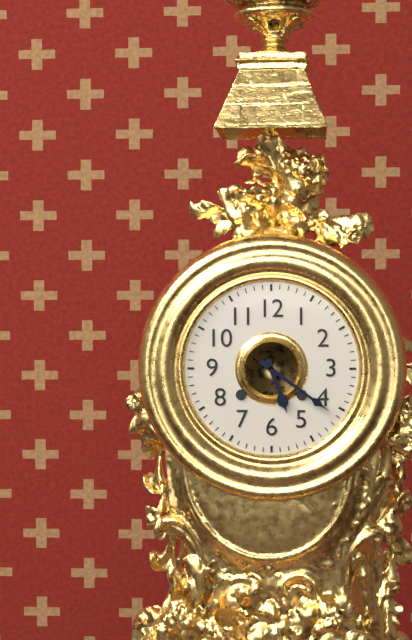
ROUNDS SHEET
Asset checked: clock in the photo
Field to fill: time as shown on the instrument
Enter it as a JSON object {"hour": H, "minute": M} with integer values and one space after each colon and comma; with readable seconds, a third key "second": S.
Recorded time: {"hour": 5, "minute": 21}
